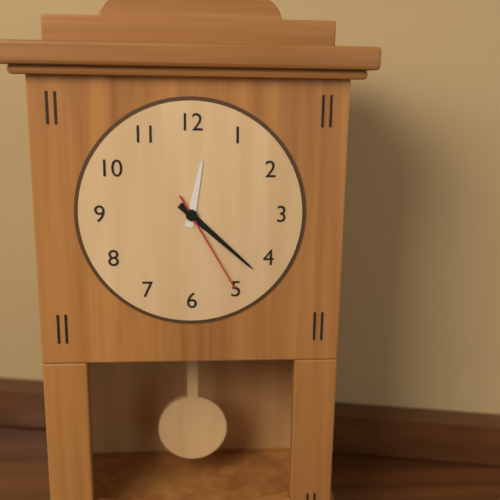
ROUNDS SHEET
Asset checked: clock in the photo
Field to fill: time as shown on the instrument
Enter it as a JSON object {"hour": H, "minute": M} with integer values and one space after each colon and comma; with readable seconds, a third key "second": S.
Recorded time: {"hour": 12, "minute": 22, "second": 25}
